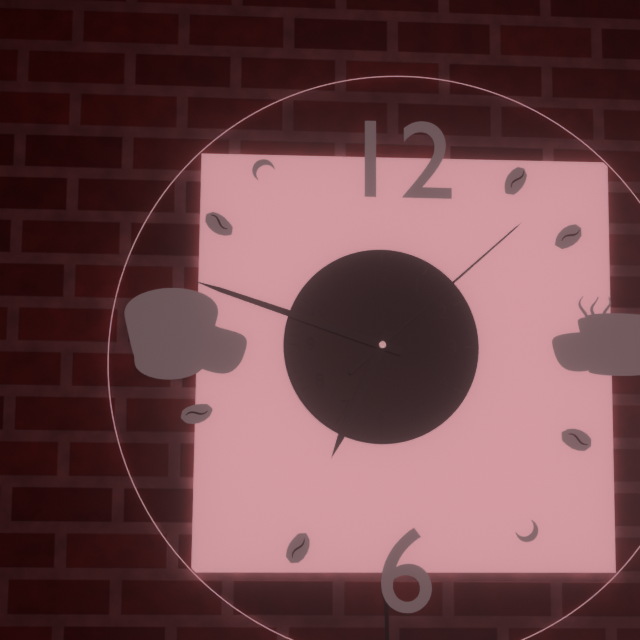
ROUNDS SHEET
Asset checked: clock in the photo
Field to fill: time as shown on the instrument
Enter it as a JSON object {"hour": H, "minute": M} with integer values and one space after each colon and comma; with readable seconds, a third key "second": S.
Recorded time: {"hour": 6, "minute": 48, "second": 8}
